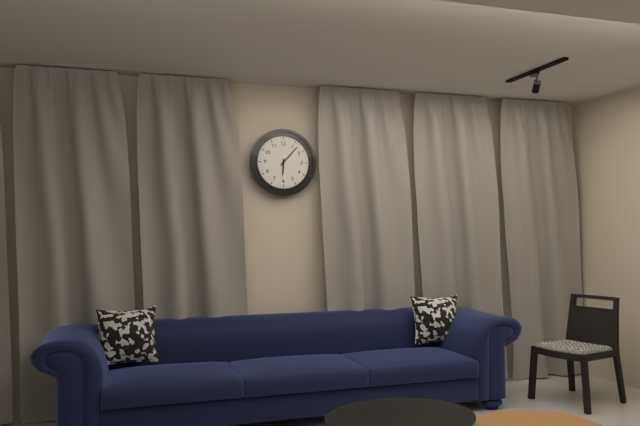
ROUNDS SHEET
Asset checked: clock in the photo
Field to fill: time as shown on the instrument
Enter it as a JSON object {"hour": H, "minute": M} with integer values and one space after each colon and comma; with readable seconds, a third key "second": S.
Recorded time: {"hour": 6, "minute": 7}
